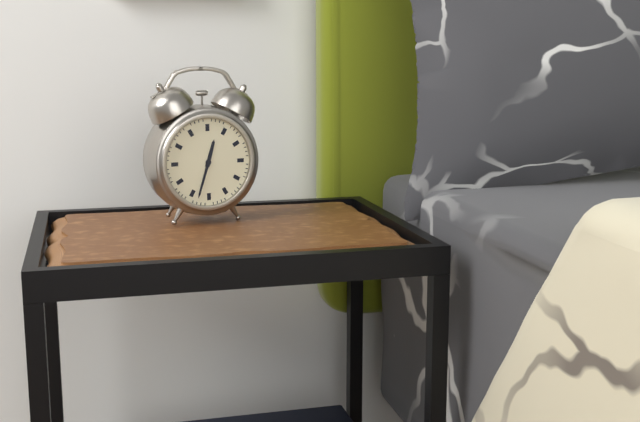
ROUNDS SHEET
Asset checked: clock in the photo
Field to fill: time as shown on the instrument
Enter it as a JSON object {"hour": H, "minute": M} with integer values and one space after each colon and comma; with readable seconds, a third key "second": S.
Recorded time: {"hour": 12, "minute": 33}
